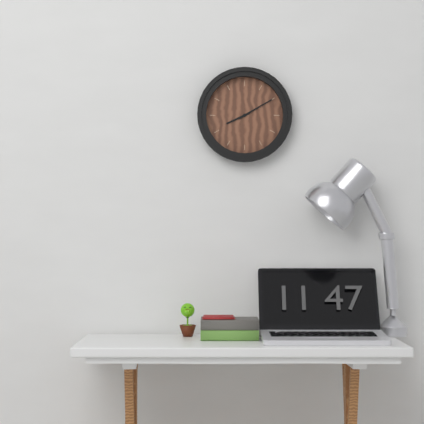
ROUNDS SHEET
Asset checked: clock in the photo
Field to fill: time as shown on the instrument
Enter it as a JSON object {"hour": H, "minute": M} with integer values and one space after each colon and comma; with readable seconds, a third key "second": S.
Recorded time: {"hour": 8, "minute": 10}
